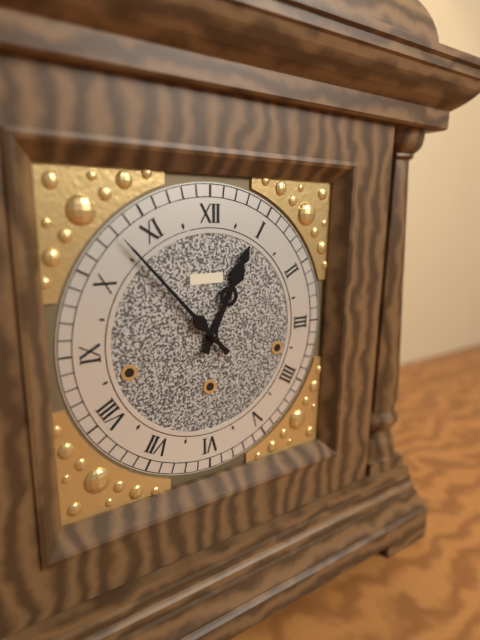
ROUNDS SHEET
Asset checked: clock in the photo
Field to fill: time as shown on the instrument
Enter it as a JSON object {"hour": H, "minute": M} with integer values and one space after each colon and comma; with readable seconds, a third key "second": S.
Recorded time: {"hour": 12, "minute": 53}
